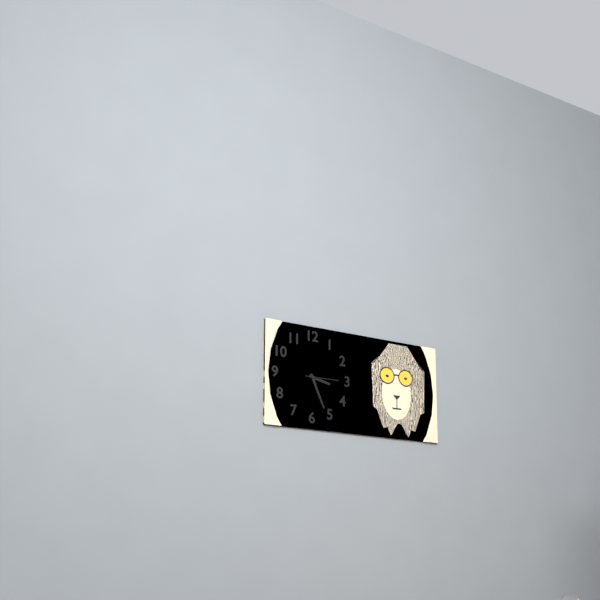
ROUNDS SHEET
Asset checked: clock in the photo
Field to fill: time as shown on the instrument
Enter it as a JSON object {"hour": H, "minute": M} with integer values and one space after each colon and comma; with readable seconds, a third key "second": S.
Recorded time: {"hour": 3, "minute": 26}
